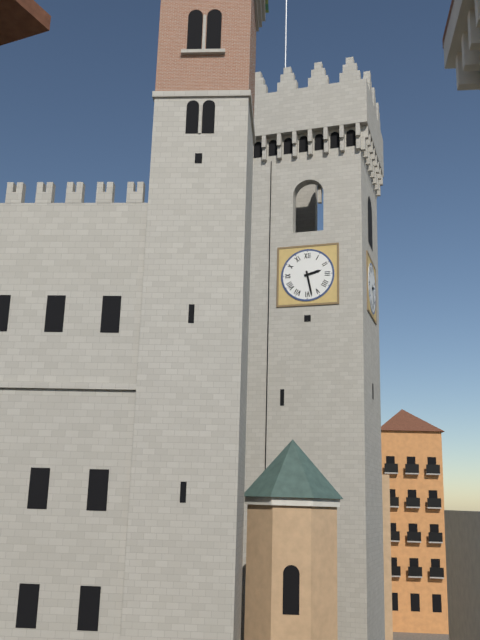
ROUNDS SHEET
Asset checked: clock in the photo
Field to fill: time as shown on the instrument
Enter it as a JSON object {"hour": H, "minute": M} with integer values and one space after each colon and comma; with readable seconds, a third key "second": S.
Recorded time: {"hour": 2, "minute": 28}
